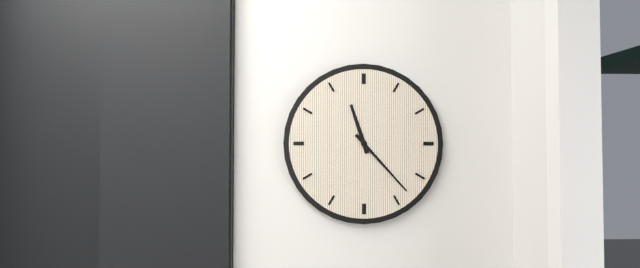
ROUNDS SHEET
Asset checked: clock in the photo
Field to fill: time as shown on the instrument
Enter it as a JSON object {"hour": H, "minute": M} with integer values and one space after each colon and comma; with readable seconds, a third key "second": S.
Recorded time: {"hour": 11, "minute": 23}
